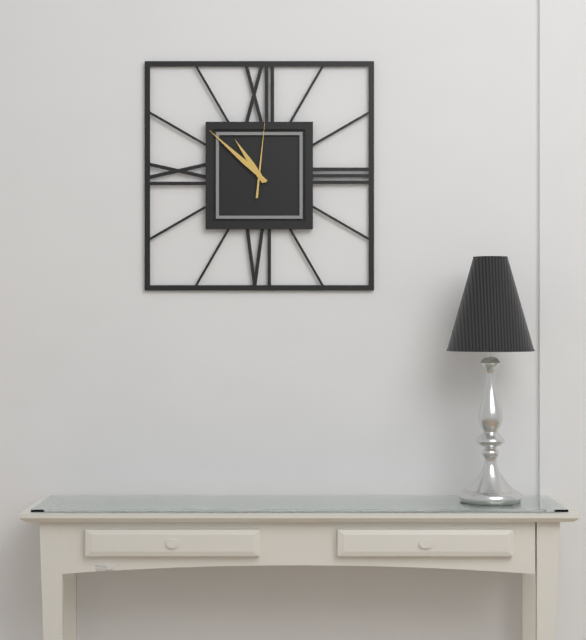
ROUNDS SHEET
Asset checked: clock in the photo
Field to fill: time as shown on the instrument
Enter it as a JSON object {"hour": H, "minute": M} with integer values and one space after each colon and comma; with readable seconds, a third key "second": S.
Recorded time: {"hour": 10, "minute": 52, "second": 1}
